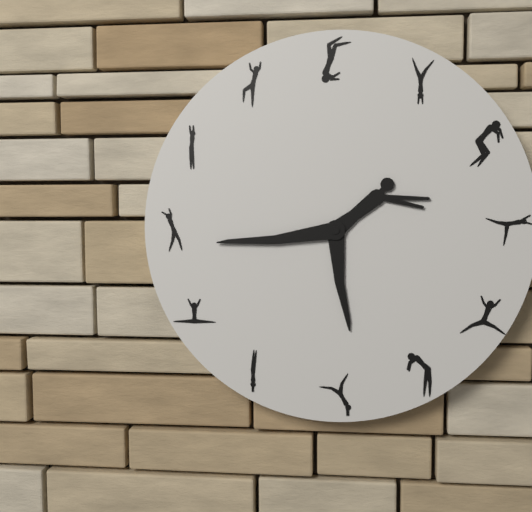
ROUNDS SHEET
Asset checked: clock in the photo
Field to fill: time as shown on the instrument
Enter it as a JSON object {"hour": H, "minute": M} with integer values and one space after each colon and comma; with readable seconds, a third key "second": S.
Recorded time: {"hour": 5, "minute": 44}
